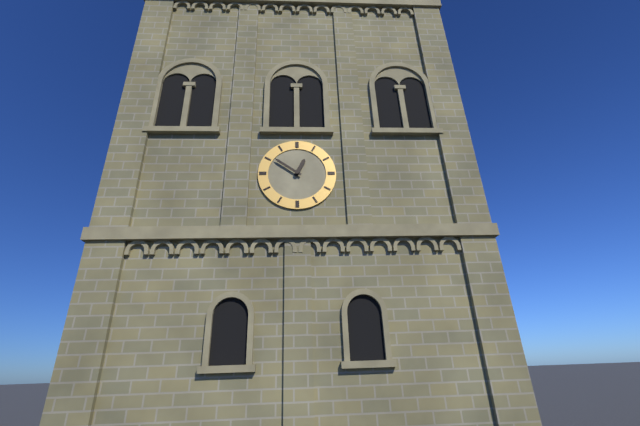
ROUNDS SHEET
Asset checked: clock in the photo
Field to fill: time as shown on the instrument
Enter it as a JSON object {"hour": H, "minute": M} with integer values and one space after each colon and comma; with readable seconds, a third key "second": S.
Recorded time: {"hour": 12, "minute": 51}
